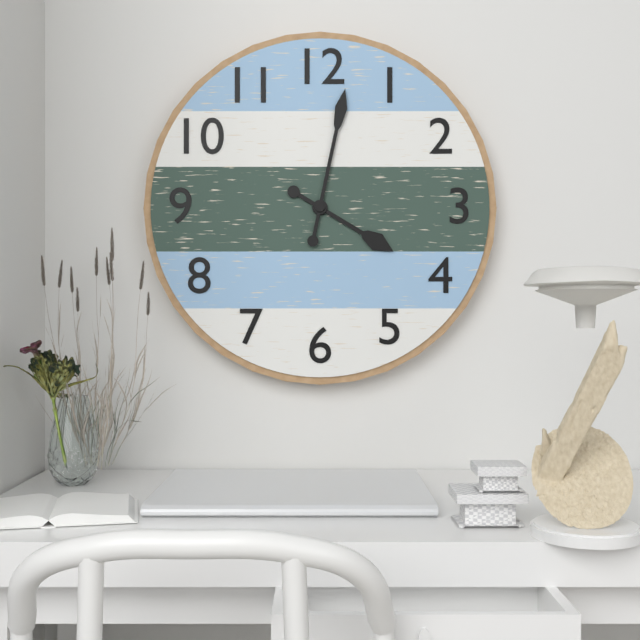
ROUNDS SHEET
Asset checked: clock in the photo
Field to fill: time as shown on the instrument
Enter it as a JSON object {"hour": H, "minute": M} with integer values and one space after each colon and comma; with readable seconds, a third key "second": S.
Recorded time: {"hour": 4, "minute": 2}
